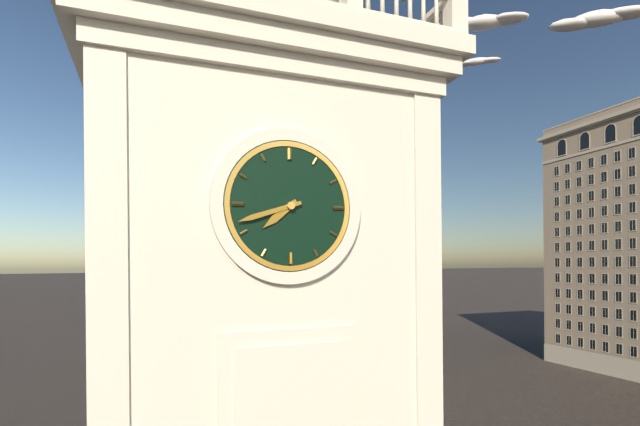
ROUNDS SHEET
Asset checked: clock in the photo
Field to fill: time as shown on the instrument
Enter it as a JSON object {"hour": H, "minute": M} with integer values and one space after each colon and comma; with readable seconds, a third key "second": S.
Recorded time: {"hour": 7, "minute": 42}
